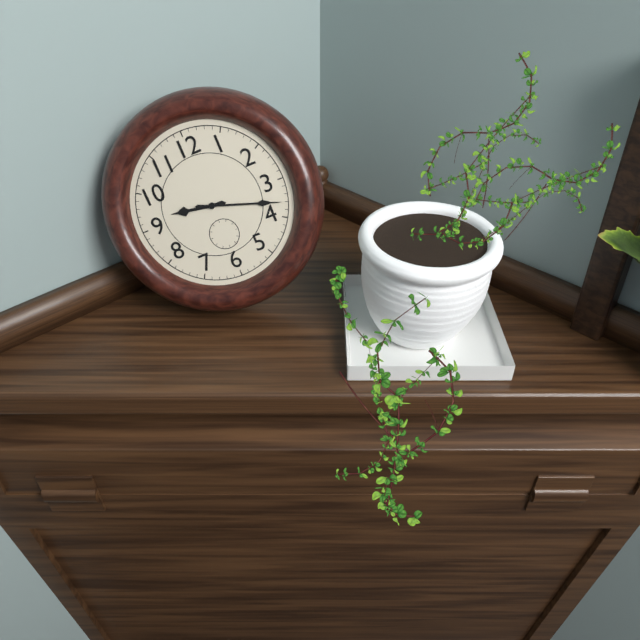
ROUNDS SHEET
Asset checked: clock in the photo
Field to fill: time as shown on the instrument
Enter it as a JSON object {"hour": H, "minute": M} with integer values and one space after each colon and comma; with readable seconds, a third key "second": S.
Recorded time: {"hour": 9, "minute": 18}
